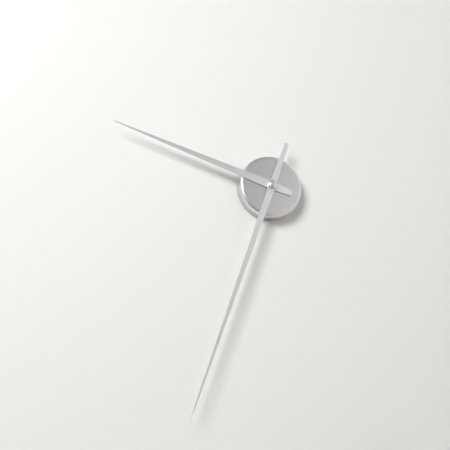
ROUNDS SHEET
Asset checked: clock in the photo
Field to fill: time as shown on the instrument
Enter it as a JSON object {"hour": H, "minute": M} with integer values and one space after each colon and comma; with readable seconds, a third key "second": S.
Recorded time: {"hour": 9, "minute": 33}
